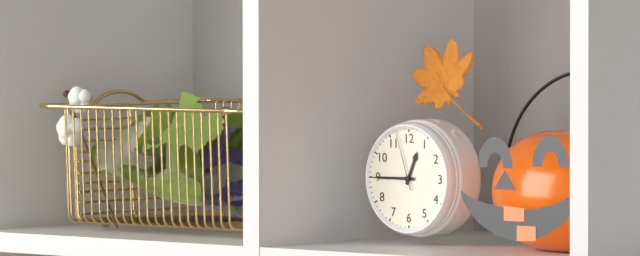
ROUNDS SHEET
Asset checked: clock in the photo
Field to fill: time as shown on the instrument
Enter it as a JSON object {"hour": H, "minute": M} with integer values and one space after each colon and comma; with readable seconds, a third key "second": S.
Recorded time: {"hour": 12, "minute": 45, "second": 57}
